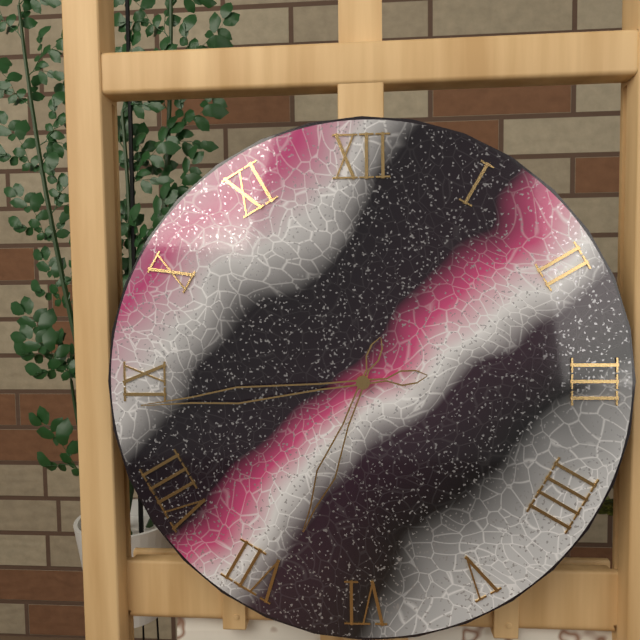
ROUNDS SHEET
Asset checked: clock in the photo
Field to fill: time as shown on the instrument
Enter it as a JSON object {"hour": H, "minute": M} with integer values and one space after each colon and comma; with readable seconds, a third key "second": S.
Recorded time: {"hour": 6, "minute": 44}
